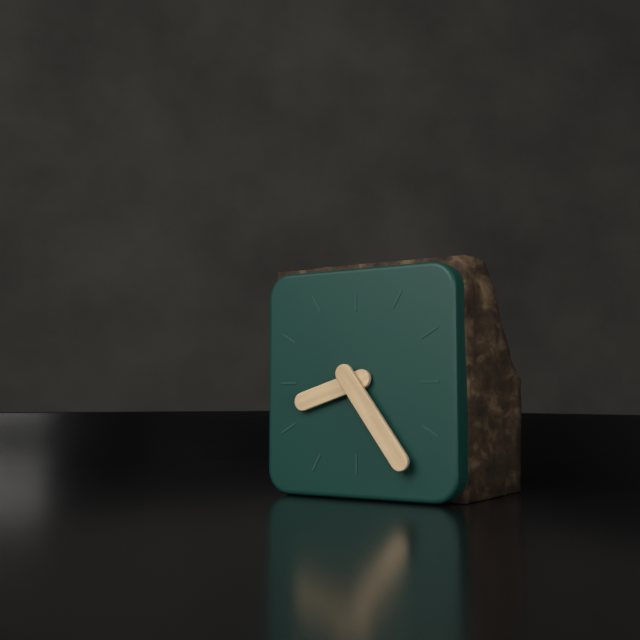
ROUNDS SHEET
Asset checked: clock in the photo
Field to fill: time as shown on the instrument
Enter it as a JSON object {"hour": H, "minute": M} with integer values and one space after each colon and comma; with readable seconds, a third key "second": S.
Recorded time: {"hour": 8, "minute": 24}
